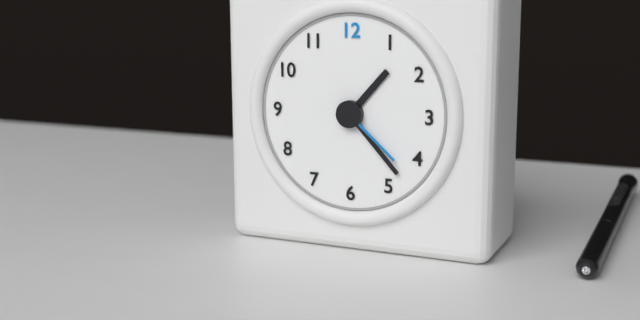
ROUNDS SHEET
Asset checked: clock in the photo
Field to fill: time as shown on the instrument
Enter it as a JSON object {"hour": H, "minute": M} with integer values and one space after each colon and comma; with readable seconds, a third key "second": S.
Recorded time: {"hour": 1, "minute": 23, "second": 22}
